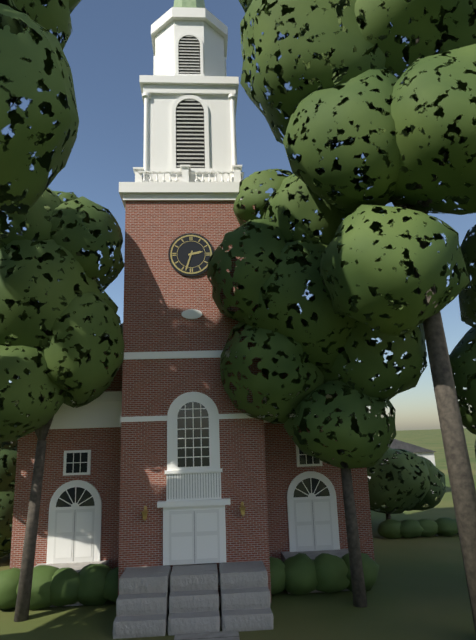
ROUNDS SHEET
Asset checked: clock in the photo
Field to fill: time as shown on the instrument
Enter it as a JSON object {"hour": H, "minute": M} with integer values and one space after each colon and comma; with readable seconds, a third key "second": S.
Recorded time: {"hour": 2, "minute": 33}
